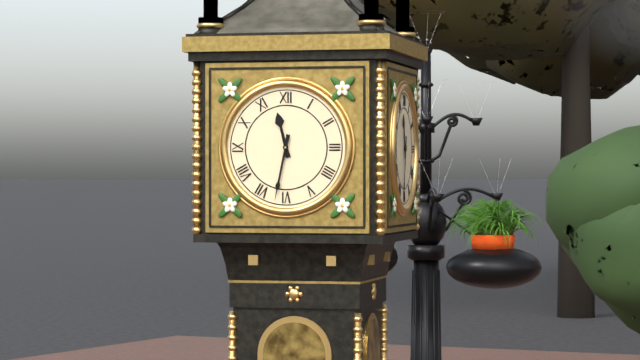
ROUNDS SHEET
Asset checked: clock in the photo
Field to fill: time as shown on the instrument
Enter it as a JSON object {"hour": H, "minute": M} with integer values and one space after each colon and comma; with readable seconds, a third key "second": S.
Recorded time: {"hour": 11, "minute": 32}
